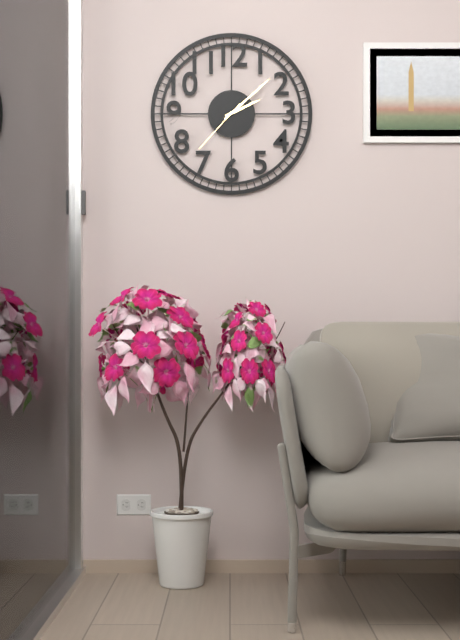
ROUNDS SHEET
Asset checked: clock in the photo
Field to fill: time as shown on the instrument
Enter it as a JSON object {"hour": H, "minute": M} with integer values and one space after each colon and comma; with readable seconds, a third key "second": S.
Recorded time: {"hour": 2, "minute": 8, "second": 37}
